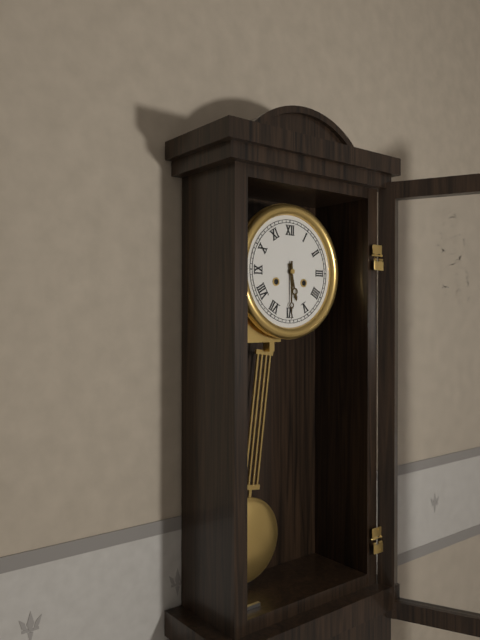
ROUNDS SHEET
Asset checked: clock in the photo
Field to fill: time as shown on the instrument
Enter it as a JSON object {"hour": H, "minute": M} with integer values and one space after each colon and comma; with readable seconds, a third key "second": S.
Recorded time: {"hour": 5, "minute": 30}
